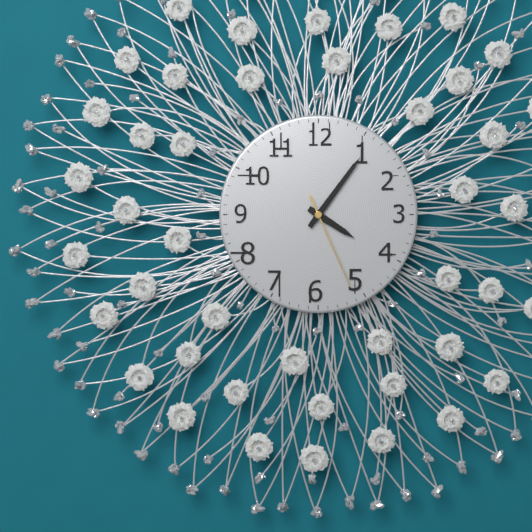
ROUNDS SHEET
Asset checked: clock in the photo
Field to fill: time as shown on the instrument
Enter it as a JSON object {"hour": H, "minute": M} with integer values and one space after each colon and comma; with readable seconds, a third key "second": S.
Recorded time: {"hour": 4, "minute": 6, "second": 26}
